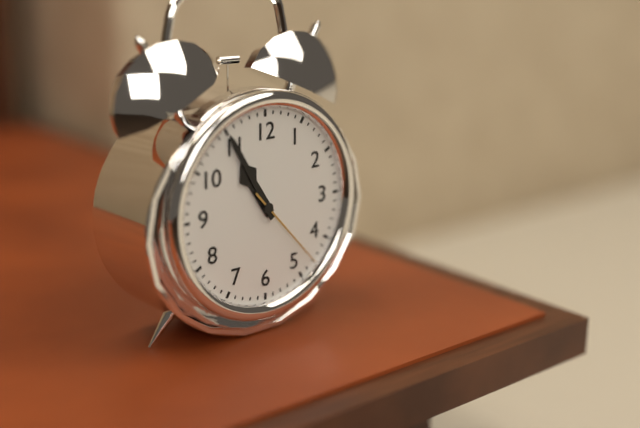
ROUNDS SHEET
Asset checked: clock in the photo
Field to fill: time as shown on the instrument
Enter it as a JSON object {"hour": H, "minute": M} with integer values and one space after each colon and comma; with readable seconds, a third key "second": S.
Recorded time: {"hour": 10, "minute": 55, "second": 23}
